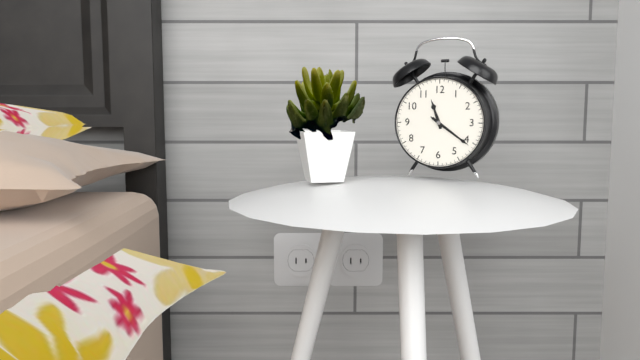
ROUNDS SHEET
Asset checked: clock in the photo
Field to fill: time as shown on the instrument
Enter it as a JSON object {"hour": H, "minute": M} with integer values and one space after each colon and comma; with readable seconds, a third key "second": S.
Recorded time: {"hour": 11, "minute": 21}
